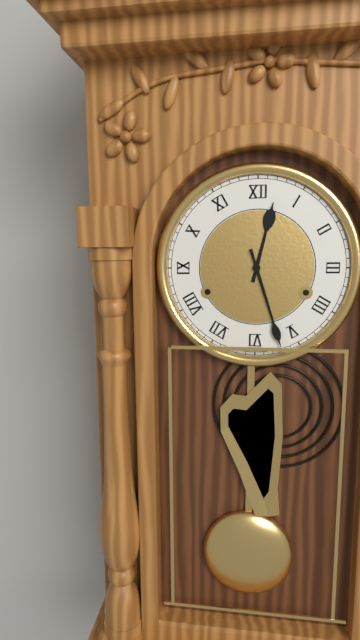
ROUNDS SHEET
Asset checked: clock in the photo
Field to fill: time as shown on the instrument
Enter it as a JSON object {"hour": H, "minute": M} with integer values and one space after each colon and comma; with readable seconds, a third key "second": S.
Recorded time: {"hour": 12, "minute": 27}
